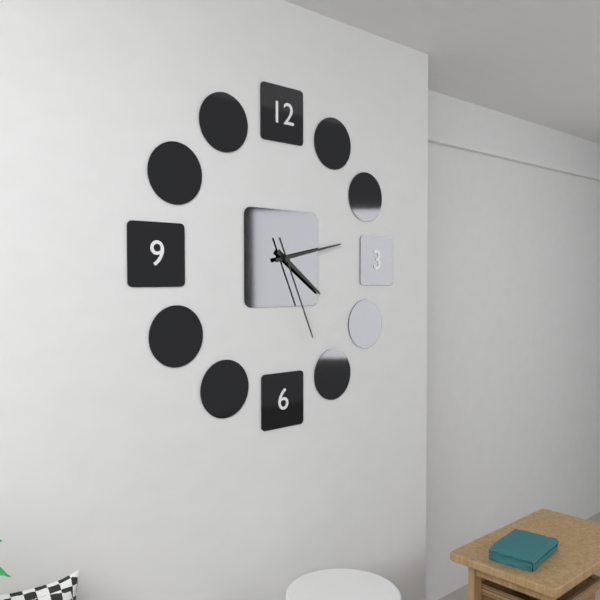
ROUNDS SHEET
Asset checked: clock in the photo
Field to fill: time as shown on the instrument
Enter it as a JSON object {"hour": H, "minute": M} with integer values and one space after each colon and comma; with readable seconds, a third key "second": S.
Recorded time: {"hour": 4, "minute": 13, "second": 26}
